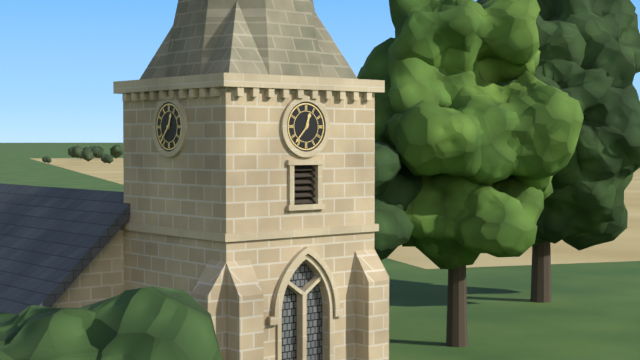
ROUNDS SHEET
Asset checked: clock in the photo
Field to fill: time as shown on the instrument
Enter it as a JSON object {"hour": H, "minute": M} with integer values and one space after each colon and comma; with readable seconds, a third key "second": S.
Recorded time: {"hour": 12, "minute": 37}
